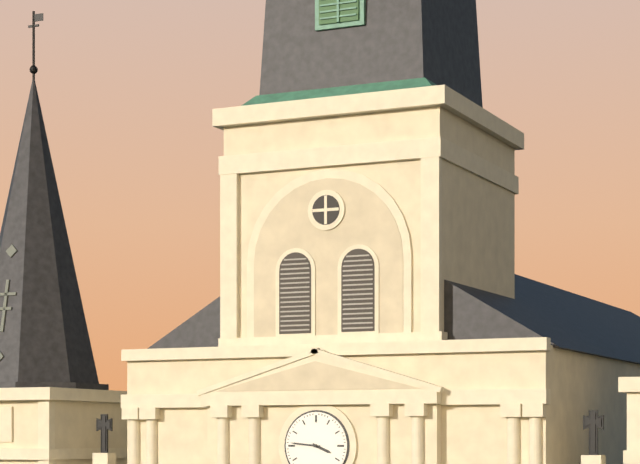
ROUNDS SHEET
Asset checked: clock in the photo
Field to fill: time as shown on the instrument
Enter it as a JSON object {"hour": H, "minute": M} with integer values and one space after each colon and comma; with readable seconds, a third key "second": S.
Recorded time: {"hour": 3, "minute": 46}
